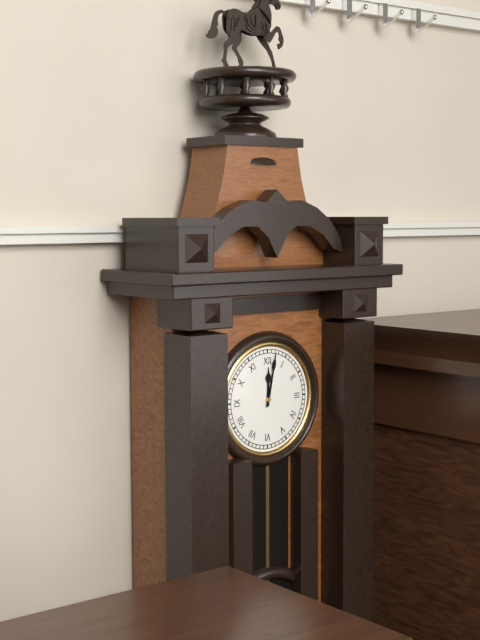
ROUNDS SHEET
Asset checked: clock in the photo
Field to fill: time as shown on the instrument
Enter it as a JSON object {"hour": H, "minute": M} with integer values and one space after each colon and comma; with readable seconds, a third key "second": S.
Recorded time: {"hour": 12, "minute": 2}
